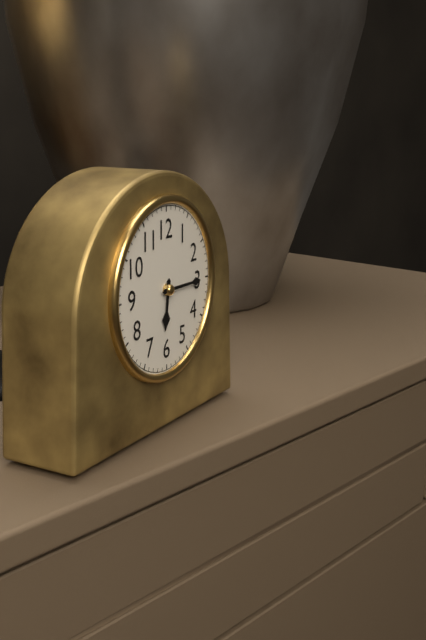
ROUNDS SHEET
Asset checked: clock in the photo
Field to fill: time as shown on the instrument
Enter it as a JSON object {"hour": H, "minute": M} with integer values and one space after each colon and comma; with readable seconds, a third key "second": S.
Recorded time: {"hour": 6, "minute": 15}
